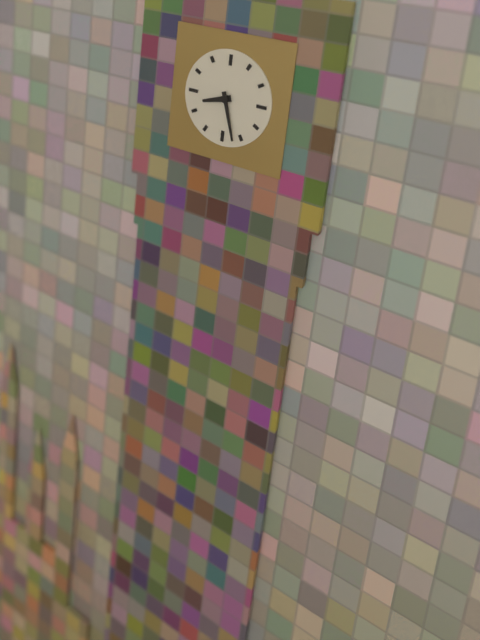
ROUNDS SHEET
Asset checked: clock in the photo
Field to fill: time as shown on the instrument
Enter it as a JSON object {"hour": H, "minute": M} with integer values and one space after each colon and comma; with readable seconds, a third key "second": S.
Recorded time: {"hour": 8, "minute": 27}
